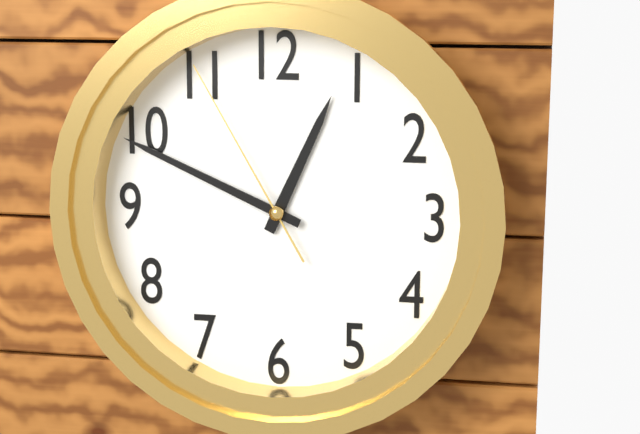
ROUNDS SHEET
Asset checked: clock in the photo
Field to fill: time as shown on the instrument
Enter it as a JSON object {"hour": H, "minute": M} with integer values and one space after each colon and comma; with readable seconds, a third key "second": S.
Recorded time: {"hour": 12, "minute": 49, "second": 55}
